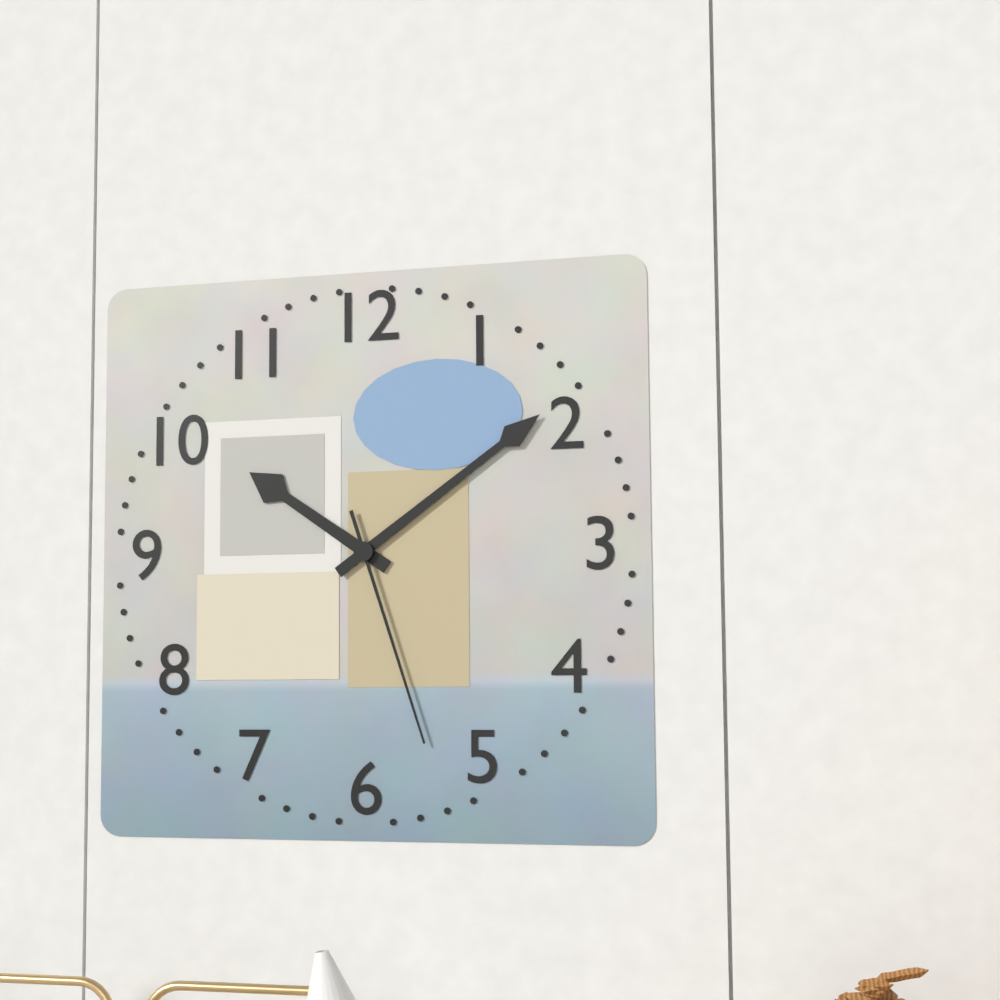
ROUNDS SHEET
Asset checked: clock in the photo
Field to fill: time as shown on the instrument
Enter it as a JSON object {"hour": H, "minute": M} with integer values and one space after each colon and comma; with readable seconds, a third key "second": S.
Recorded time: {"hour": 10, "minute": 9, "second": 27}
